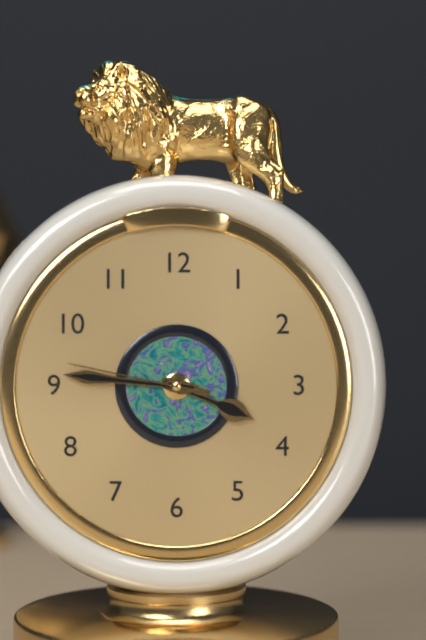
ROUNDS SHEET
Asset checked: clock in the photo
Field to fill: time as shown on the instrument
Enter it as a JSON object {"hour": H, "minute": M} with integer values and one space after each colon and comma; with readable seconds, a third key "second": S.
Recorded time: {"hour": 3, "minute": 46, "second": 47}
